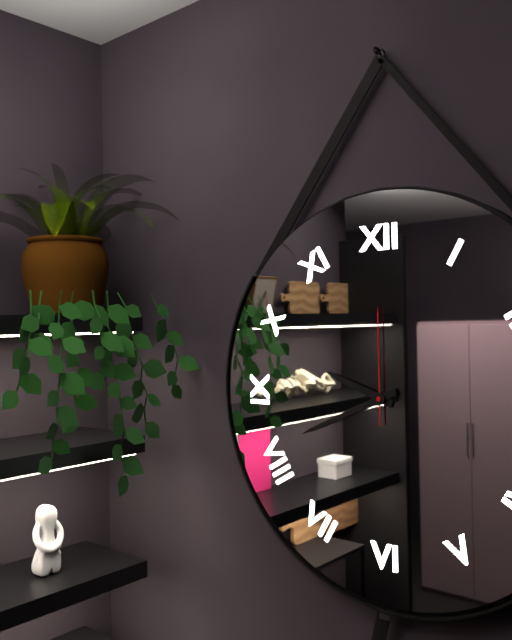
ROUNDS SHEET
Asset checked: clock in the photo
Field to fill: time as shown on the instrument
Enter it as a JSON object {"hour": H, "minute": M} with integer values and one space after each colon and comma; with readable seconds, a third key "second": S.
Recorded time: {"hour": 9, "minute": 41, "second": 0}
